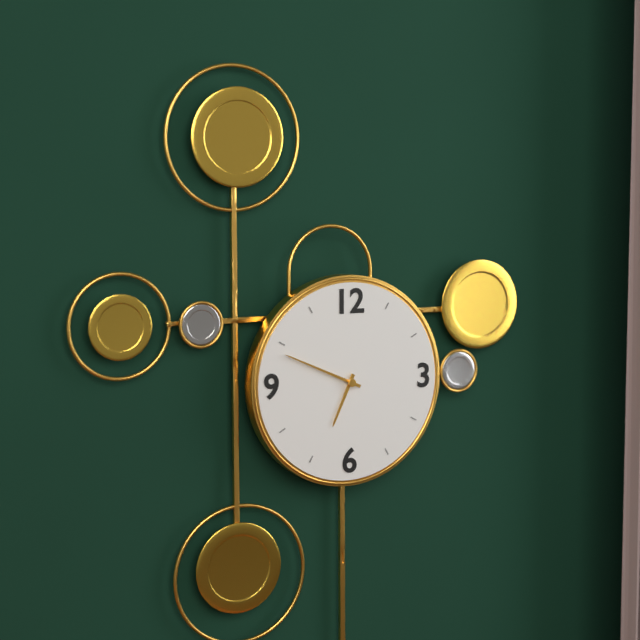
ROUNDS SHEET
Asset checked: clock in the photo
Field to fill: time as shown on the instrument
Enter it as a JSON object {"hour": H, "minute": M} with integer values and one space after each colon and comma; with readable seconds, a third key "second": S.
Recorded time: {"hour": 6, "minute": 49}
